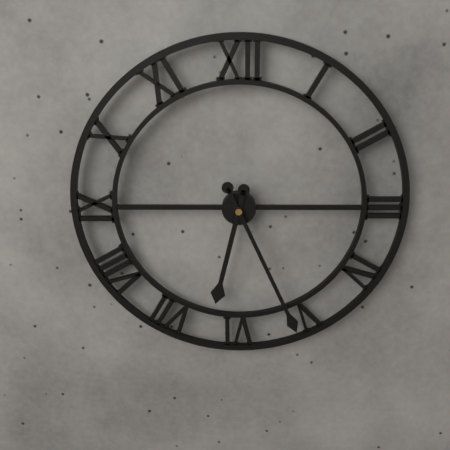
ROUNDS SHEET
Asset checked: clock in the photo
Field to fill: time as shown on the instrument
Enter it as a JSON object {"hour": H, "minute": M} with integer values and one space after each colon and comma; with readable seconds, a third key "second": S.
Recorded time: {"hour": 6, "minute": 26}
